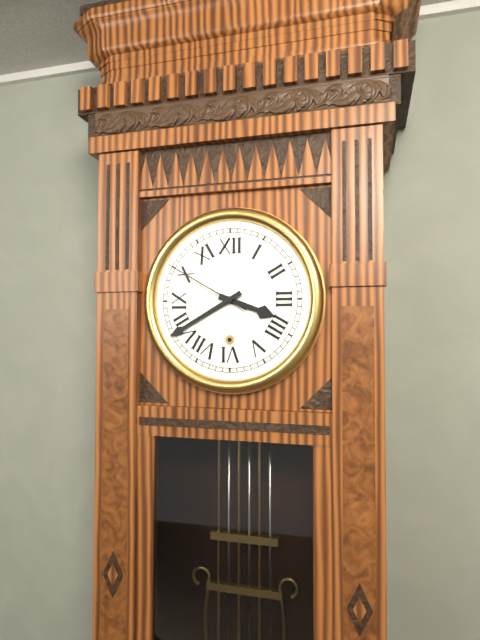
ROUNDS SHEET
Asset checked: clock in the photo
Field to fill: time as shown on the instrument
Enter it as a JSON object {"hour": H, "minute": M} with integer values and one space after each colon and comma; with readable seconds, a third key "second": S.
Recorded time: {"hour": 3, "minute": 40, "second": 50}
